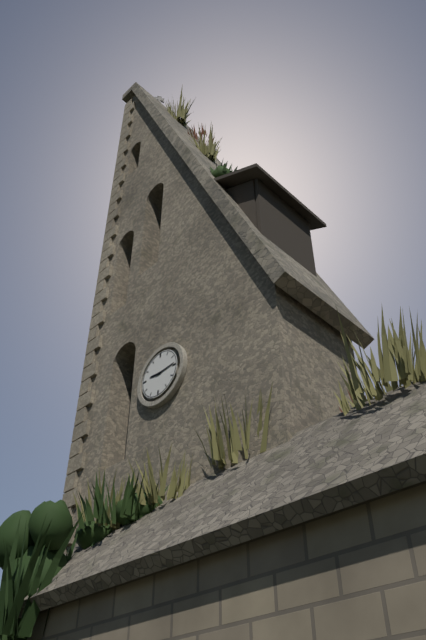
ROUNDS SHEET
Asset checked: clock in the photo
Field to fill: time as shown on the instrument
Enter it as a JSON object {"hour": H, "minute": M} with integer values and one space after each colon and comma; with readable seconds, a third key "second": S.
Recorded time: {"hour": 9, "minute": 14}
